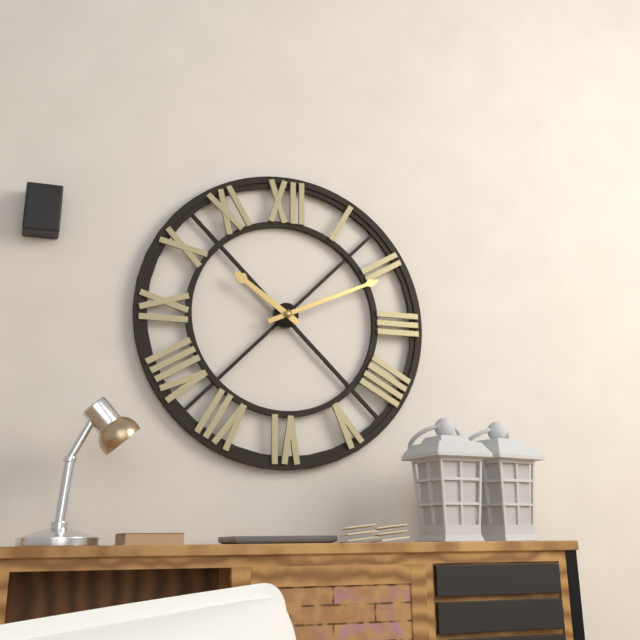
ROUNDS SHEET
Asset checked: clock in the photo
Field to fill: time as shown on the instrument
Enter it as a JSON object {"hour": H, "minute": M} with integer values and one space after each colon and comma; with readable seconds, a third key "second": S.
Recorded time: {"hour": 10, "minute": 11}
